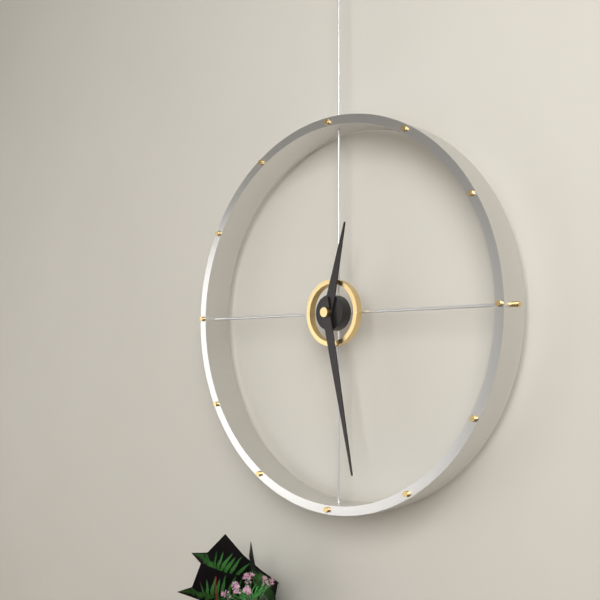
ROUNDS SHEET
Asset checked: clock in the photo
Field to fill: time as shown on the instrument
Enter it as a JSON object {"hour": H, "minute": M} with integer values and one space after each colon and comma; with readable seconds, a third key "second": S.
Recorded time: {"hour": 12, "minute": 28}
